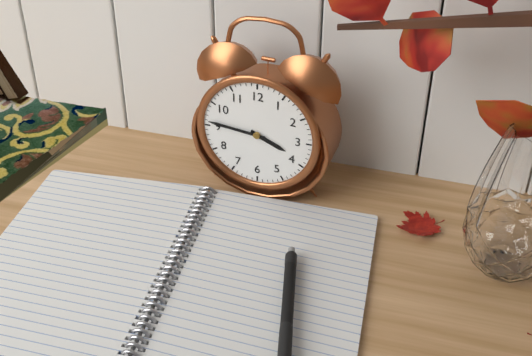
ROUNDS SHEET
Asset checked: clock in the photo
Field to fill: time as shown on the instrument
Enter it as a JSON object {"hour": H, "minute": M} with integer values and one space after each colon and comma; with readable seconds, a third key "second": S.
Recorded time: {"hour": 3, "minute": 46}
